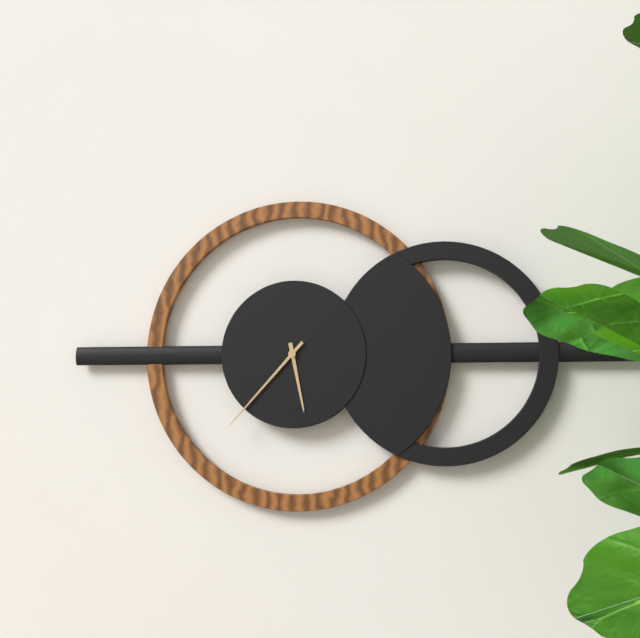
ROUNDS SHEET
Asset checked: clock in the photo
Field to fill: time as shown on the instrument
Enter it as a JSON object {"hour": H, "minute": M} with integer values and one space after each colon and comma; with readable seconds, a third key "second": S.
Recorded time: {"hour": 5, "minute": 37}
